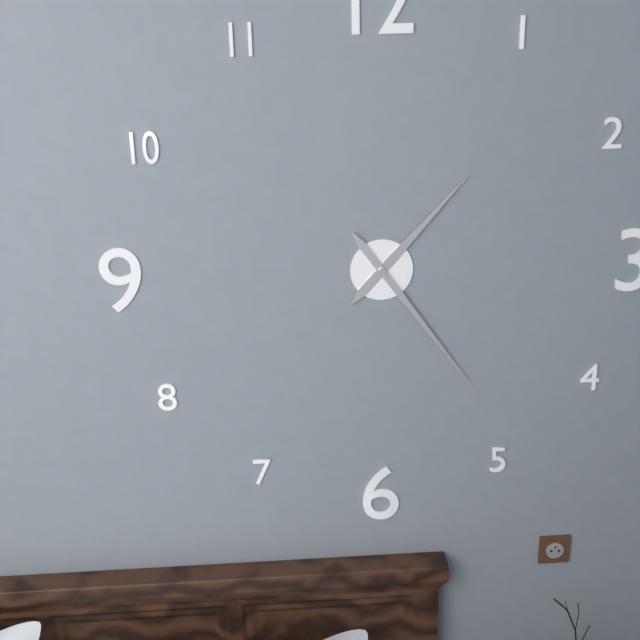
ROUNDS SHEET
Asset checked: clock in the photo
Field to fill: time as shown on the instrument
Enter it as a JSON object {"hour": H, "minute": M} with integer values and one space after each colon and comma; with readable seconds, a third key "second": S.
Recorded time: {"hour": 1, "minute": 24}
